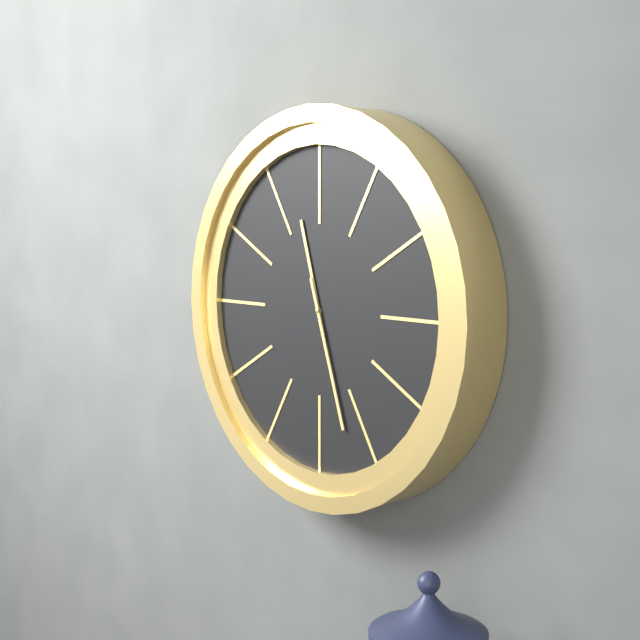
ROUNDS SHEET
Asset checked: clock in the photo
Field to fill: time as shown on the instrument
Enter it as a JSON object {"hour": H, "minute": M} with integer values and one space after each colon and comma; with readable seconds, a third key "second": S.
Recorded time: {"hour": 11, "minute": 27}
